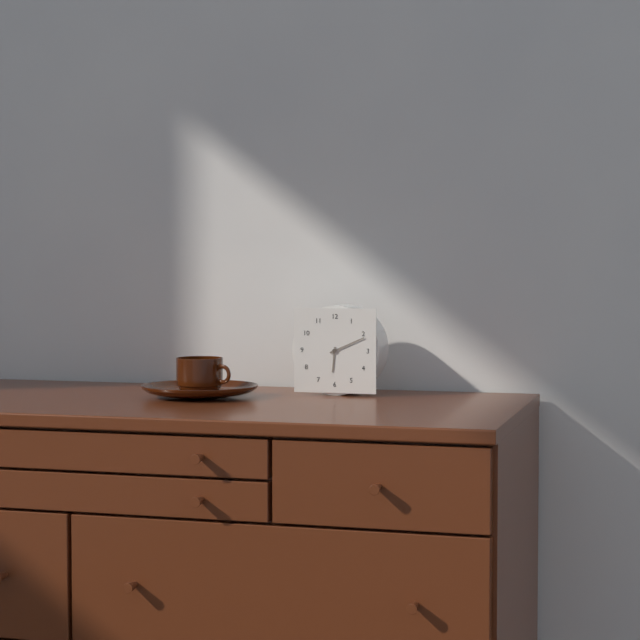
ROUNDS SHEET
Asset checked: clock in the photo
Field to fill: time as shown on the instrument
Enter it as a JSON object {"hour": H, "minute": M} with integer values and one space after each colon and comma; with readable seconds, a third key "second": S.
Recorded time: {"hour": 6, "minute": 11}
